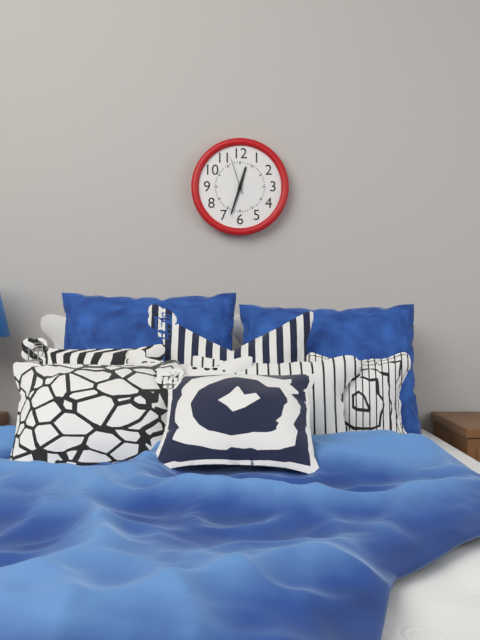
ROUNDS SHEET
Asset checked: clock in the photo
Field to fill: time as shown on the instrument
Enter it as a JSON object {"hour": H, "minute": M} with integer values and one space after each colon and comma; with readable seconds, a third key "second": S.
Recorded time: {"hour": 12, "minute": 33}
